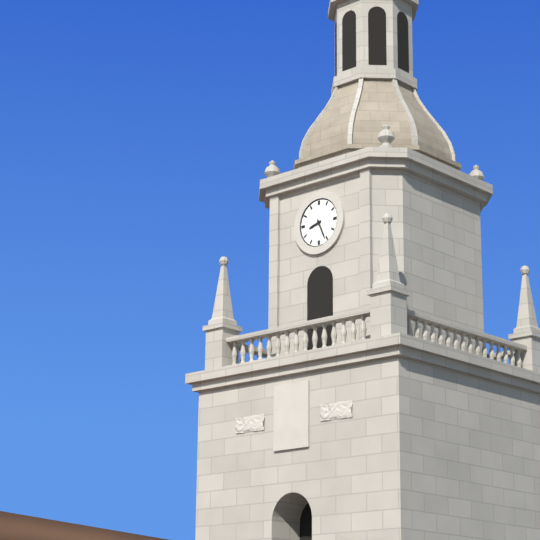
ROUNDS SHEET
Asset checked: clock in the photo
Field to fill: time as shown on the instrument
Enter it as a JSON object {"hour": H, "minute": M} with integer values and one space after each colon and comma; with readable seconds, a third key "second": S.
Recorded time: {"hour": 8, "minute": 26}
